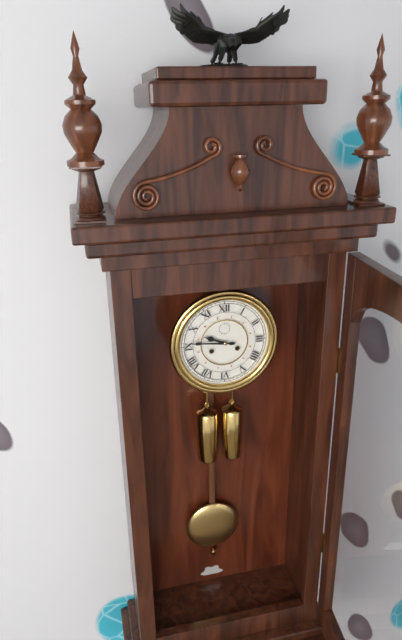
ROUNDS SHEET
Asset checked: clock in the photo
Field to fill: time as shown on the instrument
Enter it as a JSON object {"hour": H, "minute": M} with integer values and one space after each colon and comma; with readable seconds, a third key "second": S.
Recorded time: {"hour": 9, "minute": 46}
